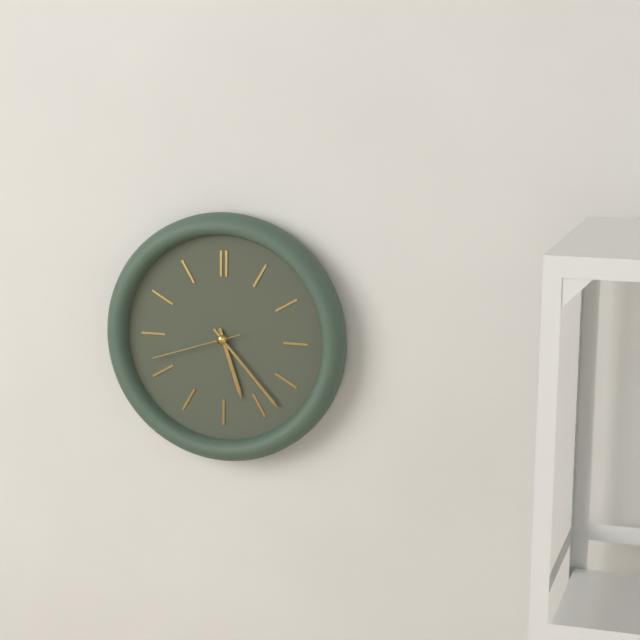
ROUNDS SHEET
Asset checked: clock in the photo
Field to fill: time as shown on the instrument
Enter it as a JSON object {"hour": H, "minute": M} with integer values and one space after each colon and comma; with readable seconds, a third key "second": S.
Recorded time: {"hour": 5, "minute": 23, "second": 42}
